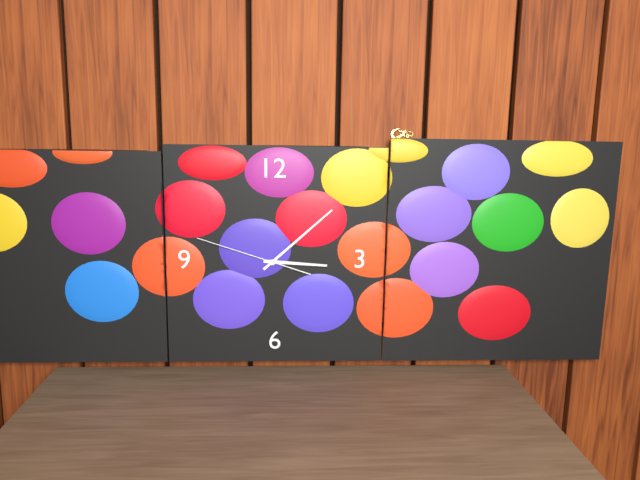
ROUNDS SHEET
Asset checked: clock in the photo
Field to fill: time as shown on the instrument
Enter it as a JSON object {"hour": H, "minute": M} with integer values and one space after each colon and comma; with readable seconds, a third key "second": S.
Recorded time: {"hour": 3, "minute": 8, "second": 48}
